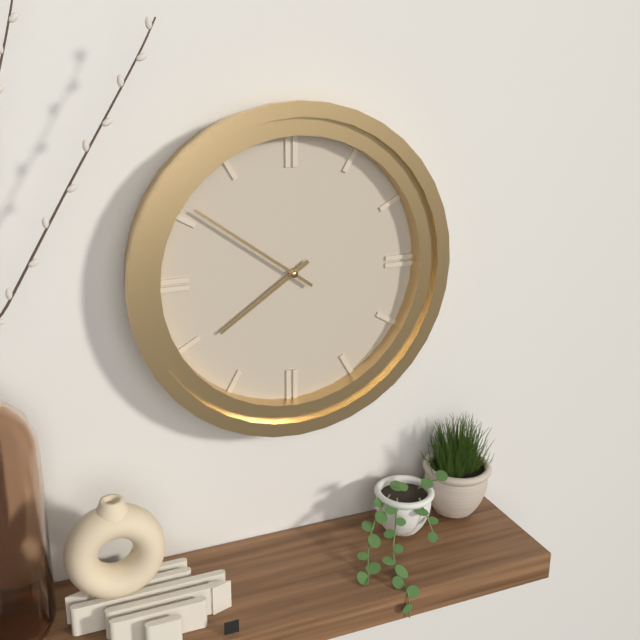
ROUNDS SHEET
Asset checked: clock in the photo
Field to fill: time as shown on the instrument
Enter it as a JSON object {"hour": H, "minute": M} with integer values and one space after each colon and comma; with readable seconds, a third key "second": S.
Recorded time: {"hour": 7, "minute": 51}
